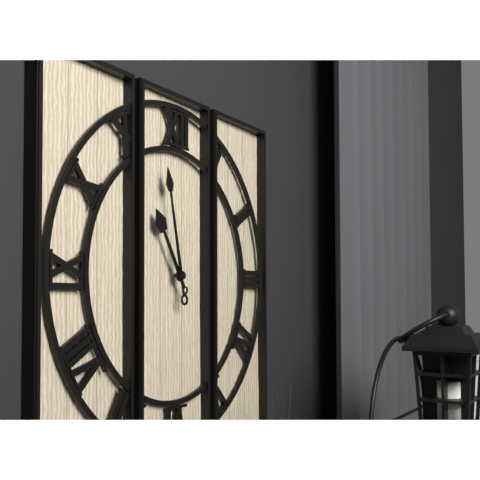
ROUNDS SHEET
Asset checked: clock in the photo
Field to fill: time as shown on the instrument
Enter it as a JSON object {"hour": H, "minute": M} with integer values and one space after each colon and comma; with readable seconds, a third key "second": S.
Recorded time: {"hour": 10, "minute": 58}
